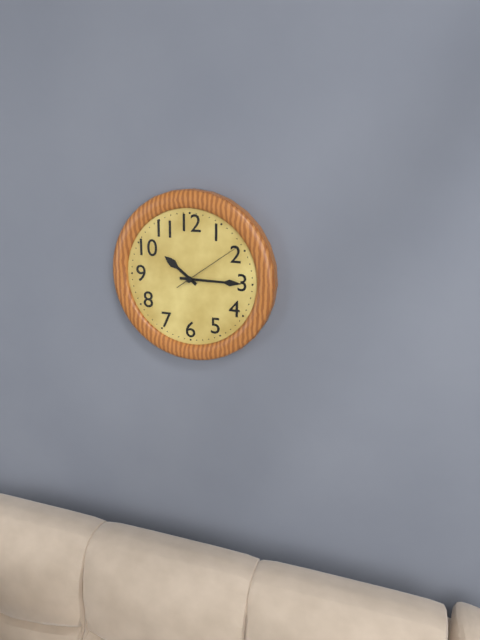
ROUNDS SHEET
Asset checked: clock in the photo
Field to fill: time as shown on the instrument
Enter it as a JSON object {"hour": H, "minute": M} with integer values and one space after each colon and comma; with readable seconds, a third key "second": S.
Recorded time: {"hour": 10, "minute": 15, "second": 9}
